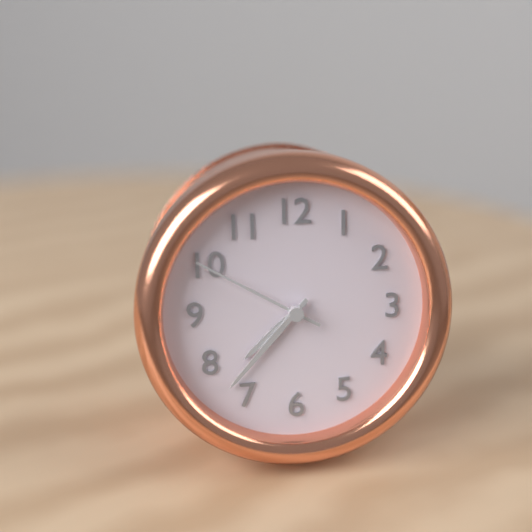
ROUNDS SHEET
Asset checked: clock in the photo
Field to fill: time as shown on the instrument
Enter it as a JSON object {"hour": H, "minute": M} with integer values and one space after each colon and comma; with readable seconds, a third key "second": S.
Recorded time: {"hour": 7, "minute": 37, "second": 50}
